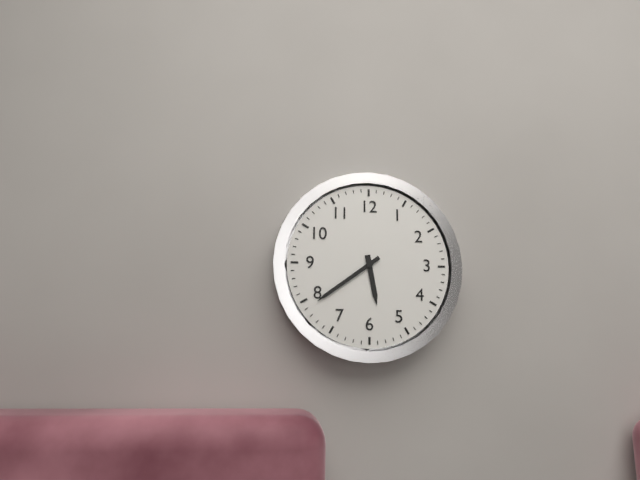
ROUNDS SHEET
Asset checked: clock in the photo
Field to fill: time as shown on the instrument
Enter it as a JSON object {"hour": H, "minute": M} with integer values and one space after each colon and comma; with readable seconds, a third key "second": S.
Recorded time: {"hour": 5, "minute": 39}
